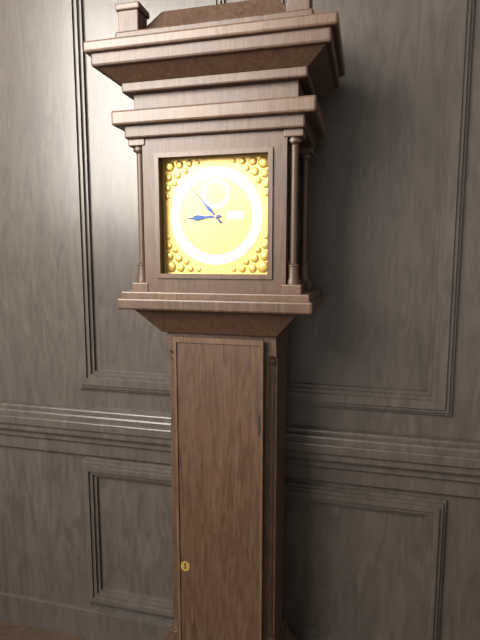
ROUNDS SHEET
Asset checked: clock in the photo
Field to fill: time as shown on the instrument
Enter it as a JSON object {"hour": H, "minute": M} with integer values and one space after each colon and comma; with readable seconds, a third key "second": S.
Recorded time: {"hour": 8, "minute": 53}
